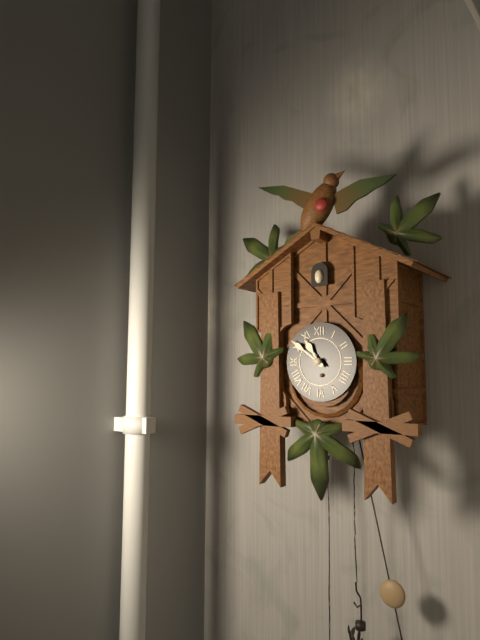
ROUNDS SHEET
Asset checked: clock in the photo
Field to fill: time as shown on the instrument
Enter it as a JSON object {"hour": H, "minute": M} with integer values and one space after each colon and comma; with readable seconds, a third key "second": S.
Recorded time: {"hour": 10, "minute": 51}
